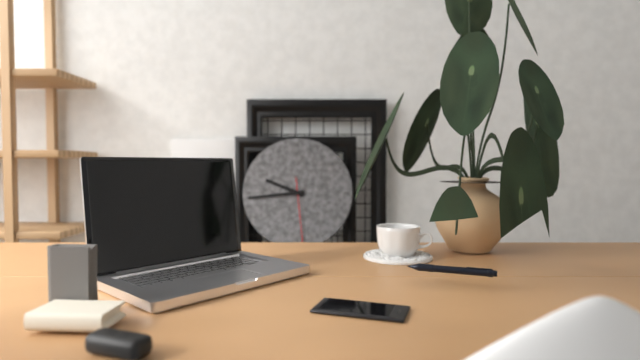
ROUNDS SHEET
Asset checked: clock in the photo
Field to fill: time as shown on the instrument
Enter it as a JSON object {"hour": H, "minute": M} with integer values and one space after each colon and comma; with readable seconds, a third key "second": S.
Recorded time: {"hour": 9, "minute": 44, "second": 29}
